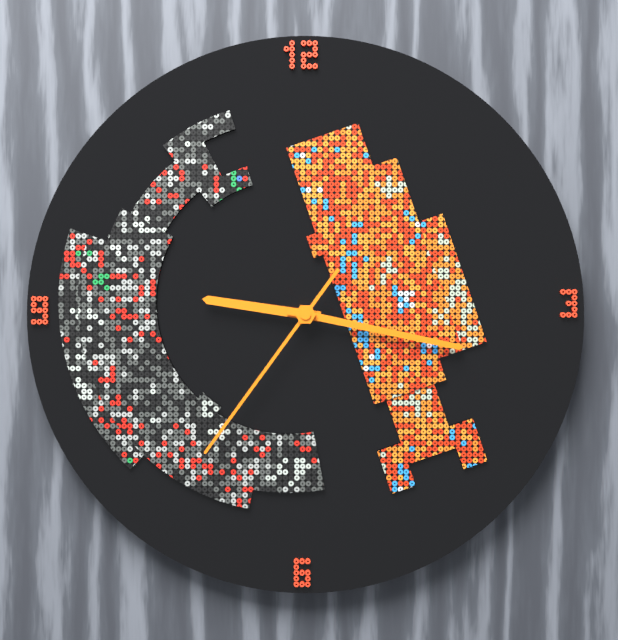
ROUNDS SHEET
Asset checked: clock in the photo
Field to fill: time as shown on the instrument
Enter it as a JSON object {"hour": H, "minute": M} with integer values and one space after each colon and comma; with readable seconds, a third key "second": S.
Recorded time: {"hour": 9, "minute": 17, "second": 36}
